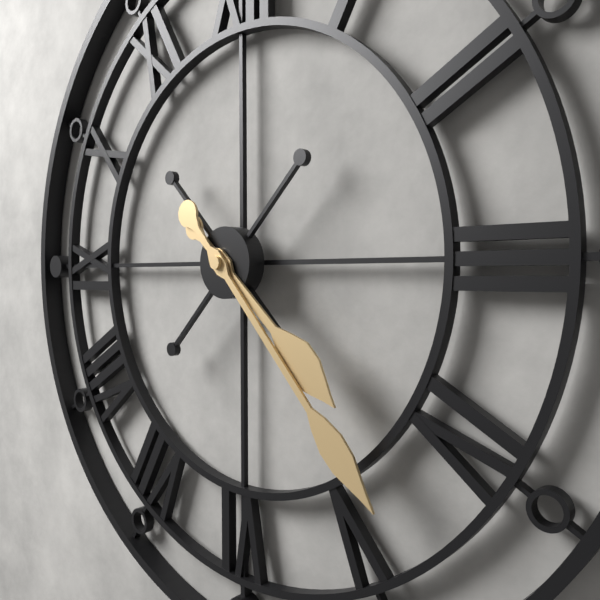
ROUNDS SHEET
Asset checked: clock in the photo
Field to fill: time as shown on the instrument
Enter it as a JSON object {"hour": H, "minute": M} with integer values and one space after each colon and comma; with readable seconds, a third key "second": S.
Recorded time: {"hour": 4, "minute": 23}
